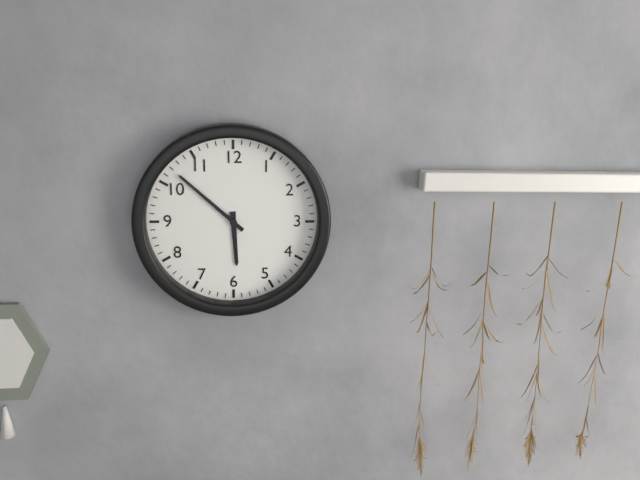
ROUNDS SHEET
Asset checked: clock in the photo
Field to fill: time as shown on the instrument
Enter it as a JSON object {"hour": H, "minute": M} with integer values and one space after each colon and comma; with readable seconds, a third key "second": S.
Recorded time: {"hour": 5, "minute": 52}
